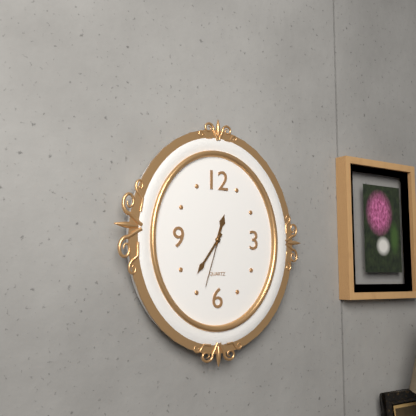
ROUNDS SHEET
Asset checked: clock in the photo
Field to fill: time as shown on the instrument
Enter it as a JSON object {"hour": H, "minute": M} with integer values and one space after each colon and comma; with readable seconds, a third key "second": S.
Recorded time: {"hour": 12, "minute": 36, "second": 33}
